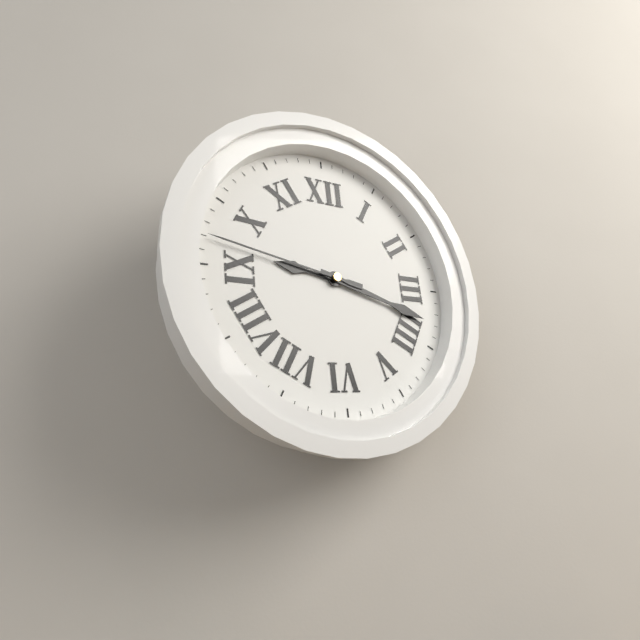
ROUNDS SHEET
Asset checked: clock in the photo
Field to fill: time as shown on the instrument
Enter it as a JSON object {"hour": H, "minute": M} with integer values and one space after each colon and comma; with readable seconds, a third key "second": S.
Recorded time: {"hour": 9, "minute": 18, "second": 47}
